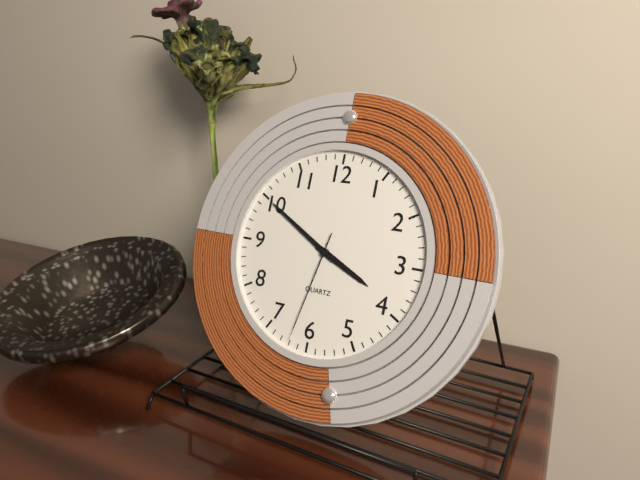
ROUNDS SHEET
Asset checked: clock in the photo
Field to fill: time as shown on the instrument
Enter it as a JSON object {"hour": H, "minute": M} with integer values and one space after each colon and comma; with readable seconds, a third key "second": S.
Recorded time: {"hour": 3, "minute": 50, "second": 32}
